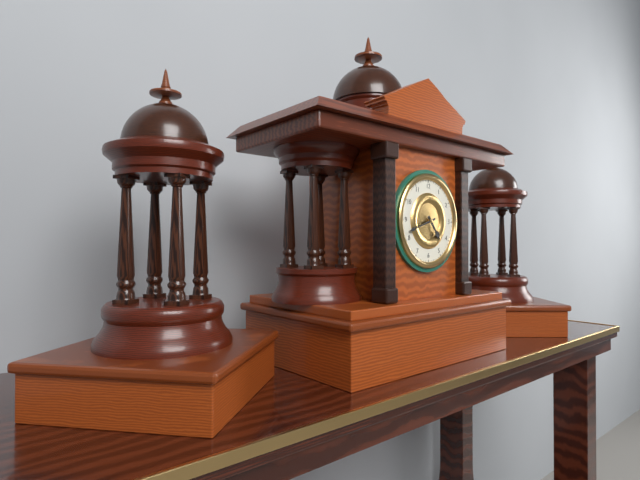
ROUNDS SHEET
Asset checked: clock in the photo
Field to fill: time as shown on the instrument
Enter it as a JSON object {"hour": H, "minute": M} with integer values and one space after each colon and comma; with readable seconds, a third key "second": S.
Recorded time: {"hour": 4, "minute": 42}
